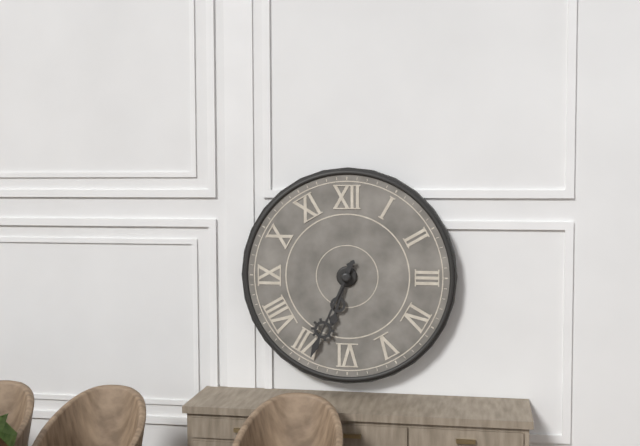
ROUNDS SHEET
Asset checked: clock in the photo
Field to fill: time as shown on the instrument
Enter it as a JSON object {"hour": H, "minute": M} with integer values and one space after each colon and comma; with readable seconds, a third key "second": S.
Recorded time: {"hour": 6, "minute": 34}
